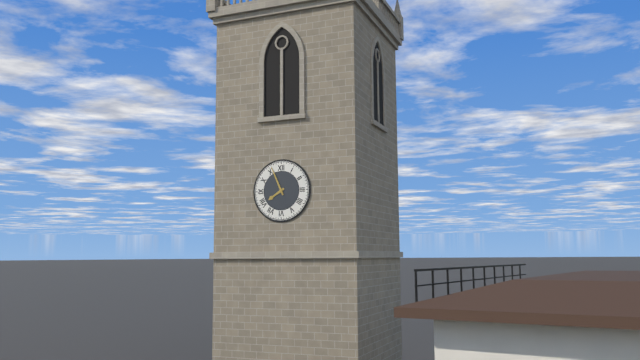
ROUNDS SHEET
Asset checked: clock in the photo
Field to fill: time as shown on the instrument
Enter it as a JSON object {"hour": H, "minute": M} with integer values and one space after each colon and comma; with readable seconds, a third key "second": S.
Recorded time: {"hour": 7, "minute": 56}
